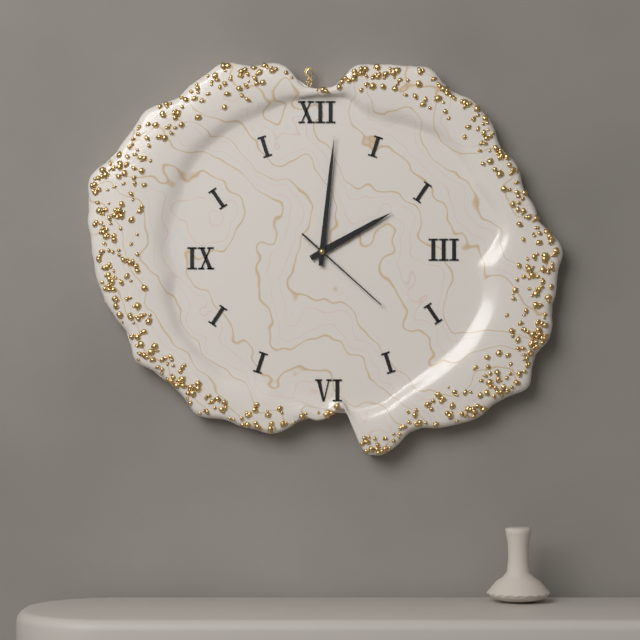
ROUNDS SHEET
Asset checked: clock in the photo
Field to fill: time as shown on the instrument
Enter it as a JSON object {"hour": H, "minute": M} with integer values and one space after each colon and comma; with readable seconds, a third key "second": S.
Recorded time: {"hour": 2, "minute": 1, "second": 22}
